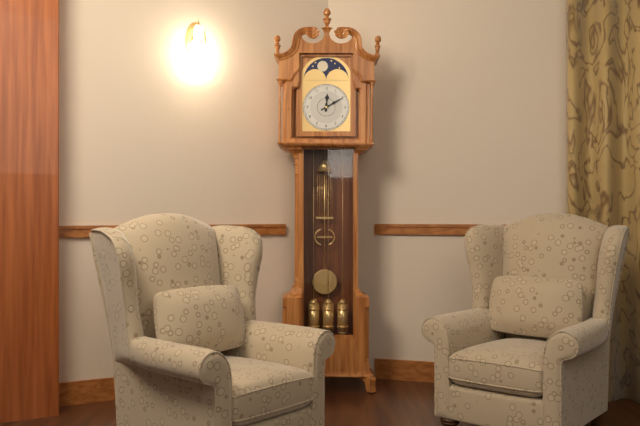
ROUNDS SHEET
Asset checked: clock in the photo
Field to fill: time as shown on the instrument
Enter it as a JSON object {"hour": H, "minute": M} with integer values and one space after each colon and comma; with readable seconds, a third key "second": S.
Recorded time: {"hour": 12, "minute": 10}
